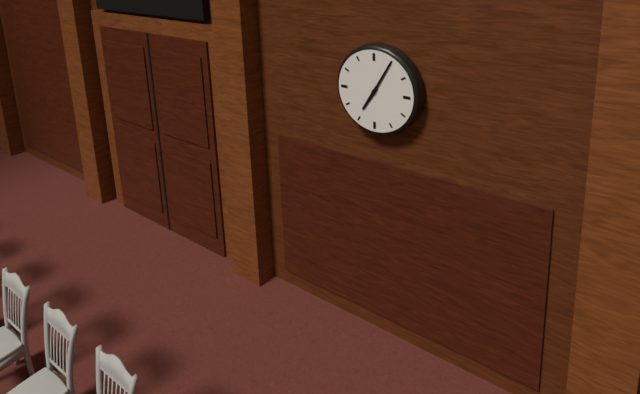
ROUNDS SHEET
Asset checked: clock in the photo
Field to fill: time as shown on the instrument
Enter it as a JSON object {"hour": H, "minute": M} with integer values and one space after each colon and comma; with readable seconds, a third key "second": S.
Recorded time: {"hour": 7, "minute": 5}
